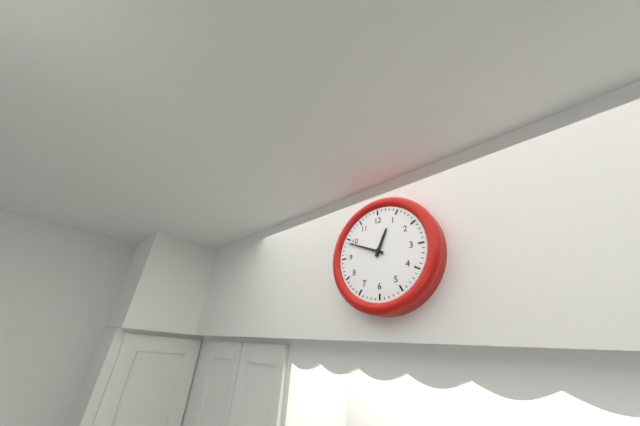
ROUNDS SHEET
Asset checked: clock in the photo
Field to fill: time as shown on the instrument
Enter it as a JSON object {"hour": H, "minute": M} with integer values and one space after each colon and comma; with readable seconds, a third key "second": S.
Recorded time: {"hour": 12, "minute": 49}
